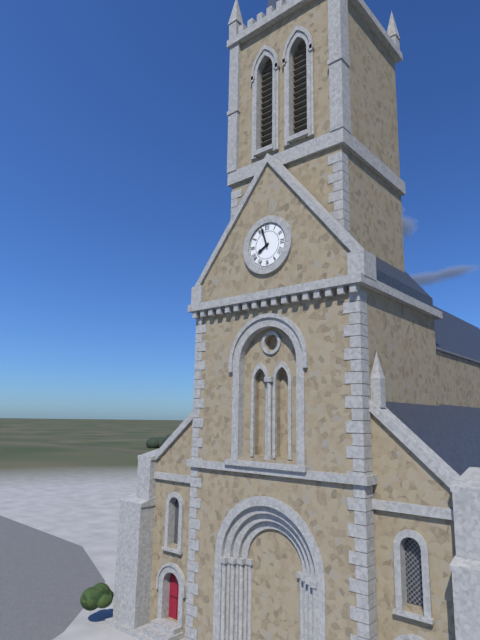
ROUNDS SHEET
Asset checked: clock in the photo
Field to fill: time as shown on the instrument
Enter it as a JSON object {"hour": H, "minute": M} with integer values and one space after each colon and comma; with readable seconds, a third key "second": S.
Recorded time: {"hour": 7, "minute": 57}
